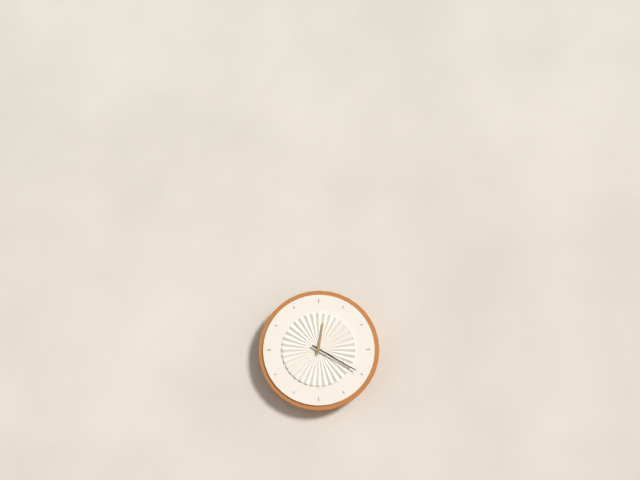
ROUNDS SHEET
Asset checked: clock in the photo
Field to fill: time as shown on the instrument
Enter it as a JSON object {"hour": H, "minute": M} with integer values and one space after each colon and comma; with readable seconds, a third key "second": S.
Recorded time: {"hour": 12, "minute": 20}
